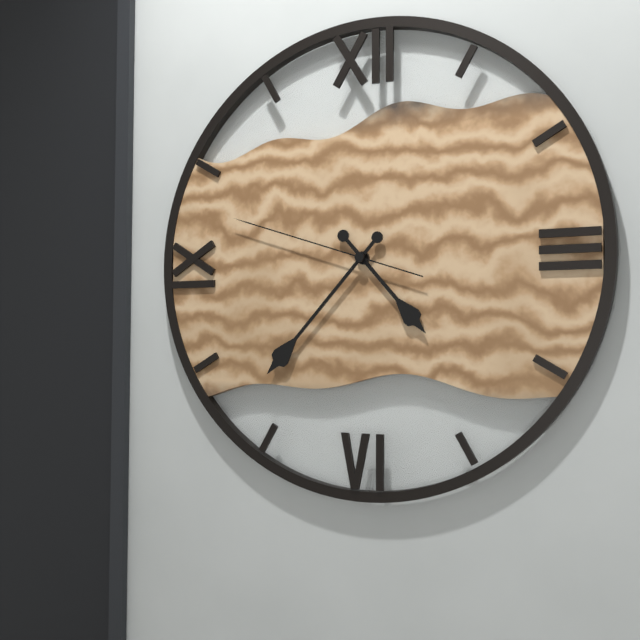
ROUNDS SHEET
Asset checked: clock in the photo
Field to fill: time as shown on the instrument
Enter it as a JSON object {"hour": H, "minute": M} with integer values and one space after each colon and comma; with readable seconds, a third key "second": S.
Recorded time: {"hour": 4, "minute": 37, "second": 48}
